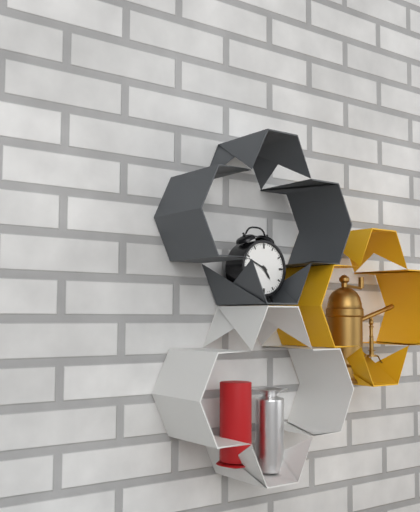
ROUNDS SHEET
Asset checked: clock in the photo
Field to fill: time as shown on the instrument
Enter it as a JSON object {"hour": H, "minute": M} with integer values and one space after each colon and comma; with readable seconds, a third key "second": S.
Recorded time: {"hour": 4, "minute": 49}
